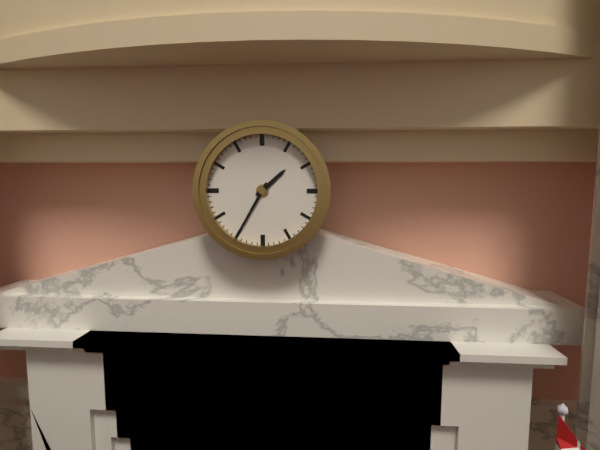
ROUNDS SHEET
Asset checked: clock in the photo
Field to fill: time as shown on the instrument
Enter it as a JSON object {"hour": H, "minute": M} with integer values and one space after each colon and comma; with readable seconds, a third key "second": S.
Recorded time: {"hour": 1, "minute": 35}
